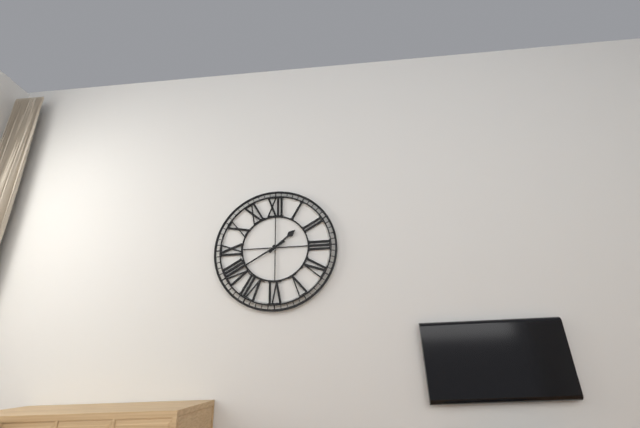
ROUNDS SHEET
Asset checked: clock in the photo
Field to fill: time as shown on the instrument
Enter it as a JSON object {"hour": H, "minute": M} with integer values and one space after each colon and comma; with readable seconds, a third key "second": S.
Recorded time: {"hour": 1, "minute": 40}
